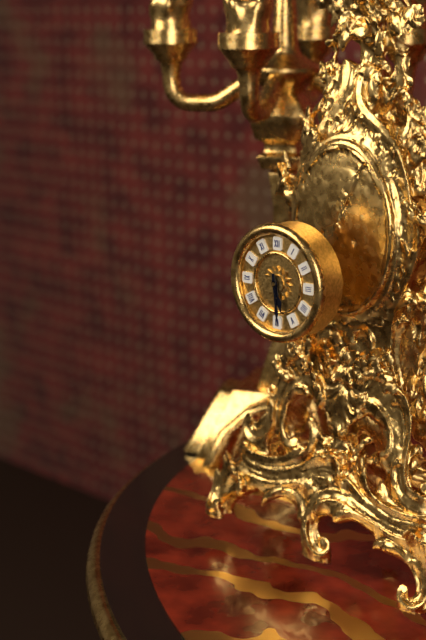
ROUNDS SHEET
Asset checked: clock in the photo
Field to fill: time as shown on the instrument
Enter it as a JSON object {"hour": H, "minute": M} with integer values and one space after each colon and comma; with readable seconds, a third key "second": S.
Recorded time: {"hour": 5, "minute": 29}
